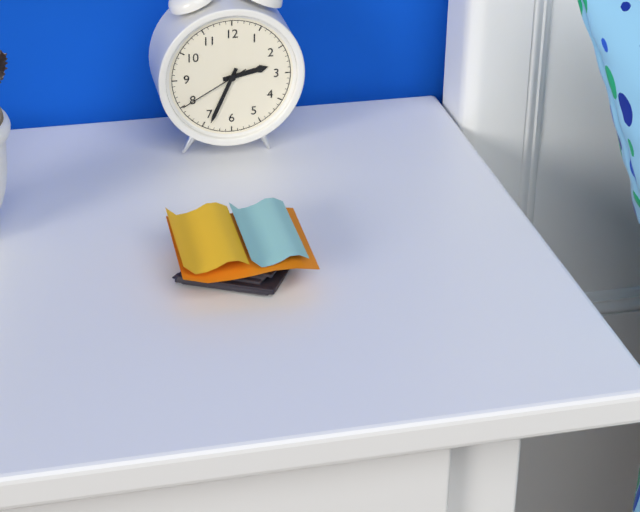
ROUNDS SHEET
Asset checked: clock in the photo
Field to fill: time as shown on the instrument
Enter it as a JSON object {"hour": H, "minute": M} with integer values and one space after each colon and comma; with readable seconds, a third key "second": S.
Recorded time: {"hour": 2, "minute": 34, "second": 40}
